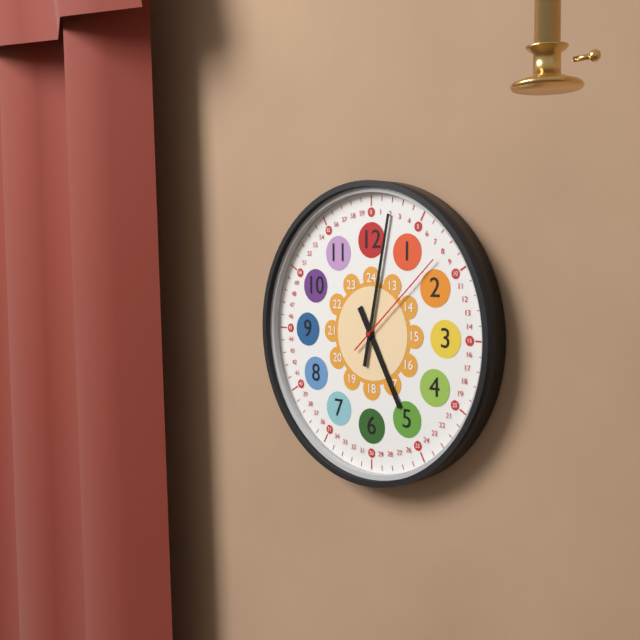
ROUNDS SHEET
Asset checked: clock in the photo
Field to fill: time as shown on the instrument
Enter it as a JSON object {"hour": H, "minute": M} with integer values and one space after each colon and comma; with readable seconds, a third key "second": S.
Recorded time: {"hour": 5, "minute": 2, "second": 8}
